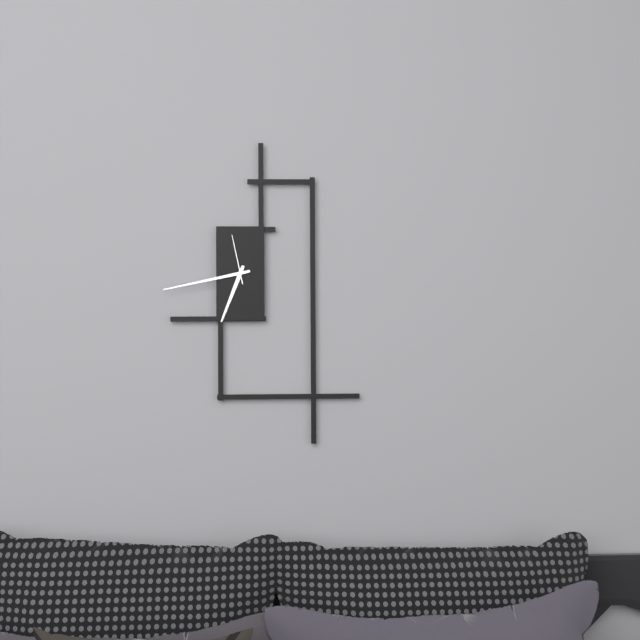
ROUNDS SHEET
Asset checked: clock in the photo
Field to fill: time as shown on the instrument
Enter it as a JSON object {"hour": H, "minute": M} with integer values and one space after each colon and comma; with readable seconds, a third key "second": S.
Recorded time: {"hour": 6, "minute": 43, "second": 58}
